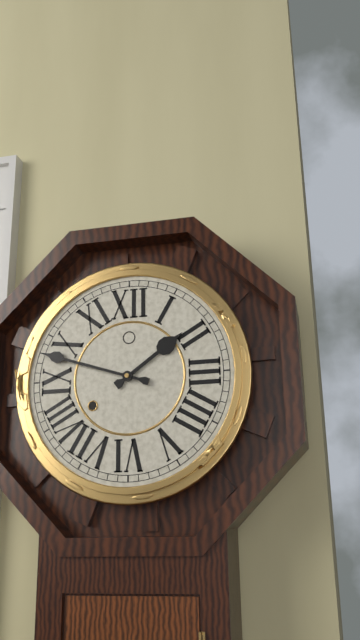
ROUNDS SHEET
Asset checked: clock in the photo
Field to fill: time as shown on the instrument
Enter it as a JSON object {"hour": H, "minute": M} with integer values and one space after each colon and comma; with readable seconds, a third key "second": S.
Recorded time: {"hour": 1, "minute": 48}
